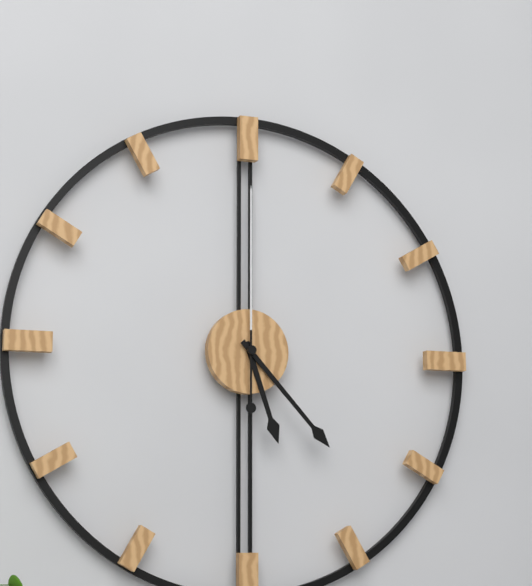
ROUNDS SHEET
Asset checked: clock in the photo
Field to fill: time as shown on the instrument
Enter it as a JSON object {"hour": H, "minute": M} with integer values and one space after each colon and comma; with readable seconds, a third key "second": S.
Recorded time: {"hour": 5, "minute": 23, "second": 0}
